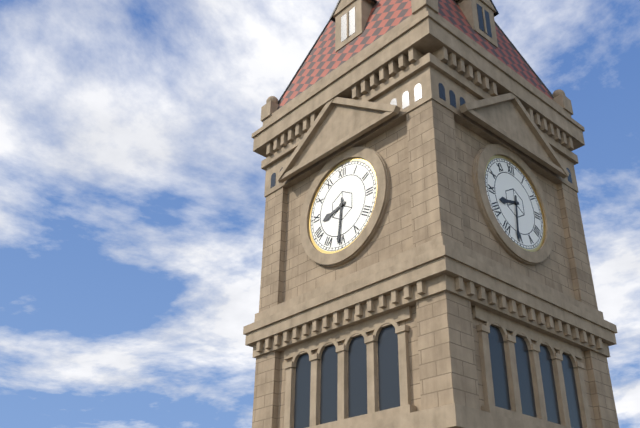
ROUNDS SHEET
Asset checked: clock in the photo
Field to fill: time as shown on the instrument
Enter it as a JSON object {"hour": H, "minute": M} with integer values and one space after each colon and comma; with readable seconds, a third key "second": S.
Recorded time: {"hour": 8, "minute": 31}
